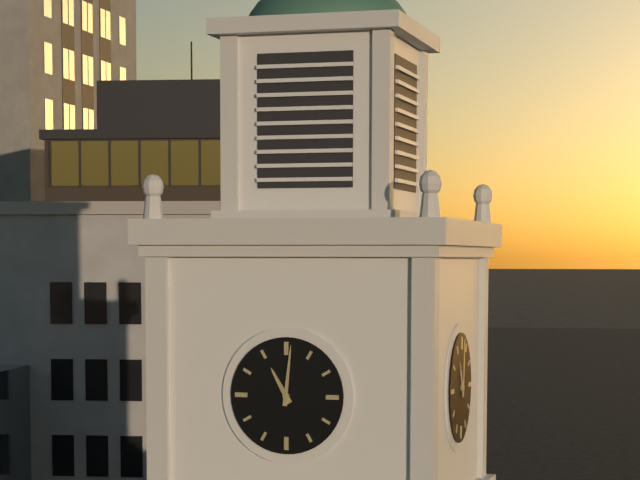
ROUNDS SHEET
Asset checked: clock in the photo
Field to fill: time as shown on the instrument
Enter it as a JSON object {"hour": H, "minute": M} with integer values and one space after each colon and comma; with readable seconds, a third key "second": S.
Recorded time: {"hour": 11, "minute": 1}
